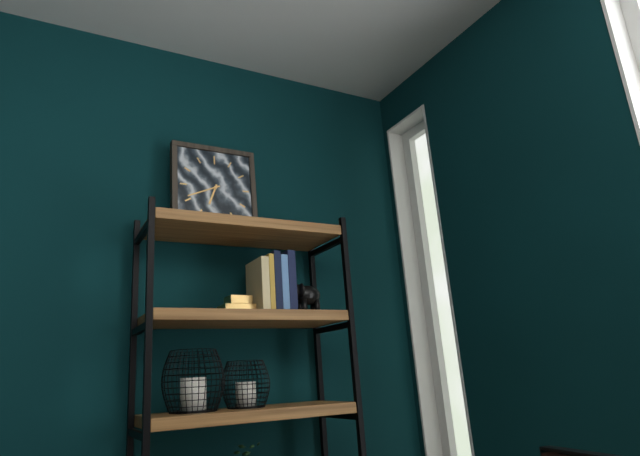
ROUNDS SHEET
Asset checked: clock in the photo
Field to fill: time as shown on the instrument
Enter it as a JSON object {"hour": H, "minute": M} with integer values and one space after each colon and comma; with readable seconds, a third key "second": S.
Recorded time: {"hour": 6, "minute": 41}
